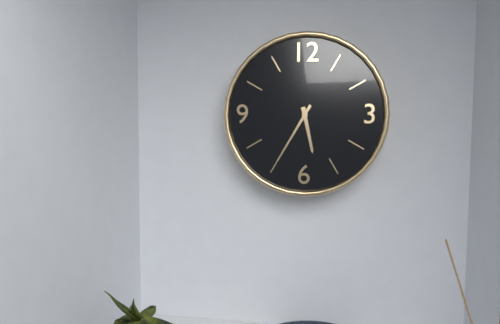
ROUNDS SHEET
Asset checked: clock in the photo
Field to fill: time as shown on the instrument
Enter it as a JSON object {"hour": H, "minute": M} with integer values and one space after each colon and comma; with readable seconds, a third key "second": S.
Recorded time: {"hour": 5, "minute": 35}
